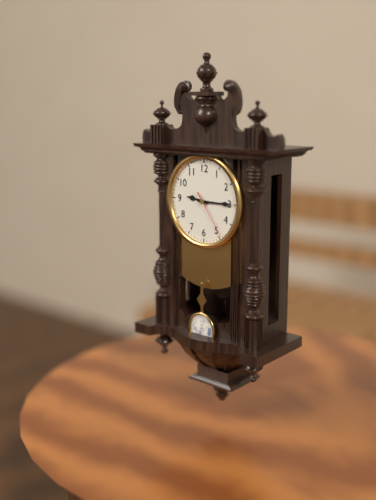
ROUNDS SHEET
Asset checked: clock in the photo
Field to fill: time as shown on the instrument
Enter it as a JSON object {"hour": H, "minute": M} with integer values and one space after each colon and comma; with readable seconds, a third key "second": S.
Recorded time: {"hour": 9, "minute": 15, "second": 24}
